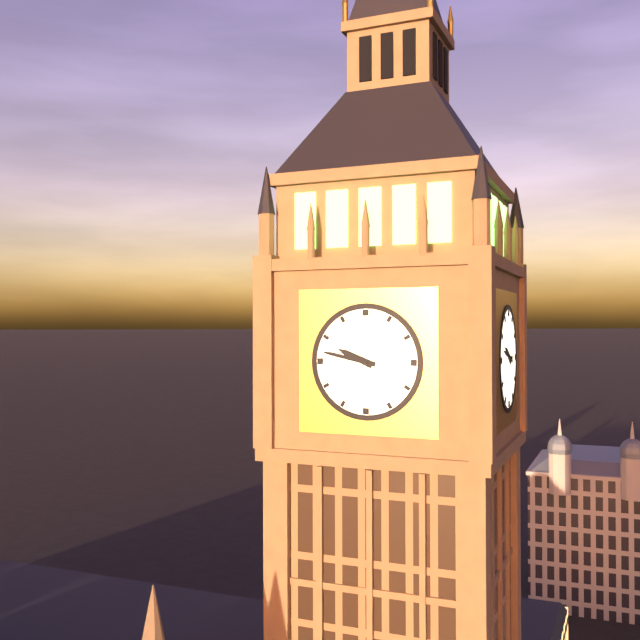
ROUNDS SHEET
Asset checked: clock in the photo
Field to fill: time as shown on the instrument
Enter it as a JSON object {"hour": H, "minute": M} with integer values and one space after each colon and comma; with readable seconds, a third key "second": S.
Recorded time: {"hour": 9, "minute": 47}
